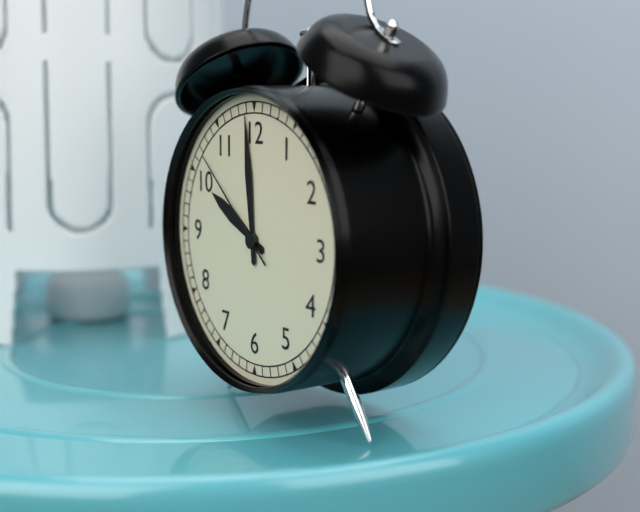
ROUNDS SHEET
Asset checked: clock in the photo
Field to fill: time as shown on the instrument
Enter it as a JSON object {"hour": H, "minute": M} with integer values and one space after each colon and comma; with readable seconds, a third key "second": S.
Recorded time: {"hour": 9, "minute": 59, "second": 52}
